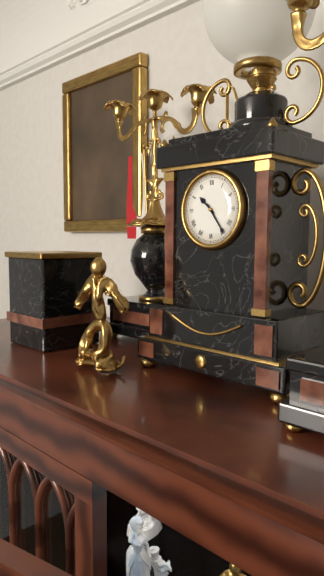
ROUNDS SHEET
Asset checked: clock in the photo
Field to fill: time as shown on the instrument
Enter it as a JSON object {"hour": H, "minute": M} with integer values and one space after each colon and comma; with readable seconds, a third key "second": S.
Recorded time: {"hour": 10, "minute": 24}
